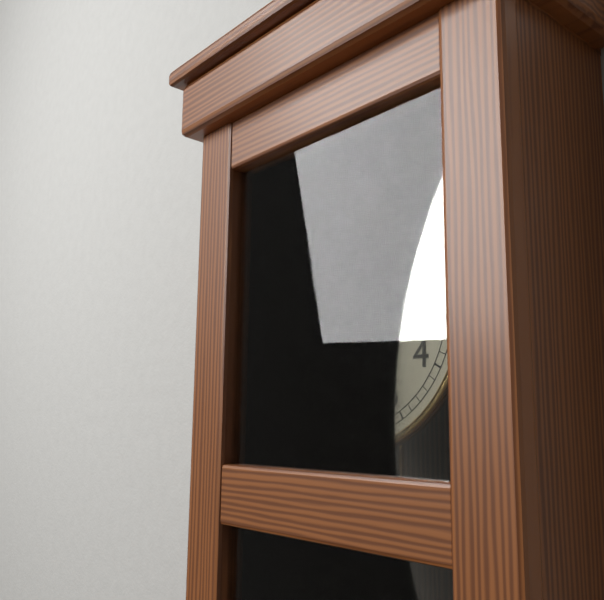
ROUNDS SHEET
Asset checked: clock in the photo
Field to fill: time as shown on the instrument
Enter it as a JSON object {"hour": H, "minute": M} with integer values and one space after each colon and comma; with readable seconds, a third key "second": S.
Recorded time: {"hour": 10, "minute": 11}
